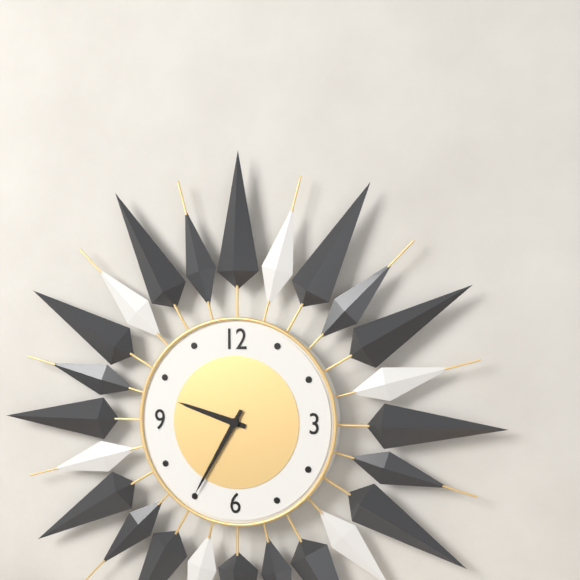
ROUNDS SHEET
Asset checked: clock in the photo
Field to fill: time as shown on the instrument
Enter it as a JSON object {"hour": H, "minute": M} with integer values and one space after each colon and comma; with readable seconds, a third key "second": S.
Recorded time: {"hour": 9, "minute": 35}
